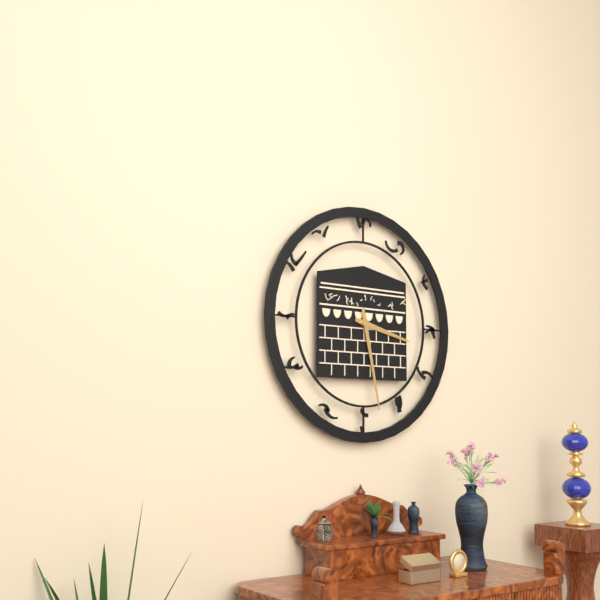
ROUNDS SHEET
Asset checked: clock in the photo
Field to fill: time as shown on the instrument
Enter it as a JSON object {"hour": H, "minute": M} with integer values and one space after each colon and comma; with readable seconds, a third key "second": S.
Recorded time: {"hour": 3, "minute": 28}
